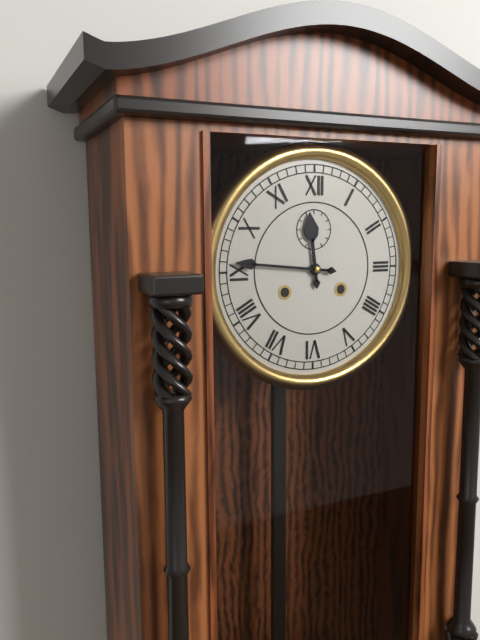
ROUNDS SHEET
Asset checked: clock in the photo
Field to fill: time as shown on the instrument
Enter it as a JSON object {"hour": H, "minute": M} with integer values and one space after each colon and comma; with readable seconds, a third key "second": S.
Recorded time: {"hour": 11, "minute": 46}
